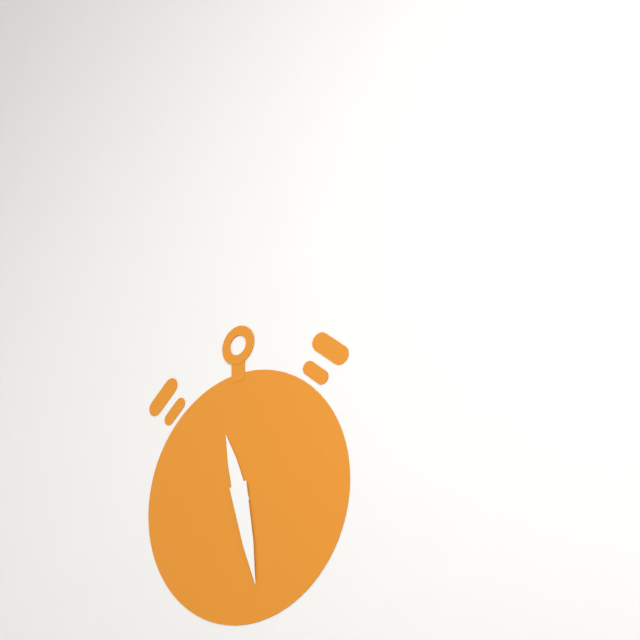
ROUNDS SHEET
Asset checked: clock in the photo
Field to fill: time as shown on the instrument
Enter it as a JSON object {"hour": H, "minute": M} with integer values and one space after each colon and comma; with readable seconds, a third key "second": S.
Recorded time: {"hour": 11, "minute": 28}
